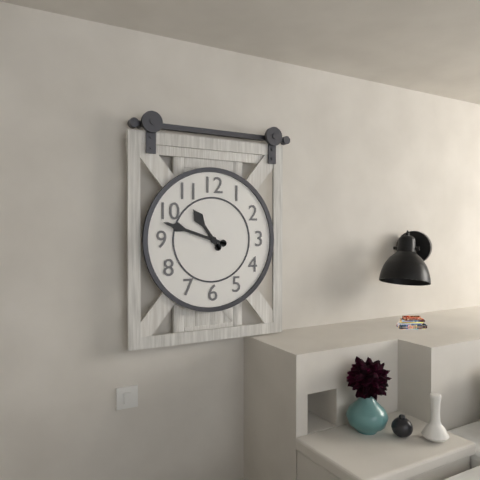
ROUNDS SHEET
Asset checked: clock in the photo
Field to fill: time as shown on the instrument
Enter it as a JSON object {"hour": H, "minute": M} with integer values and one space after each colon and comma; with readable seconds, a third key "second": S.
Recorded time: {"hour": 10, "minute": 48}
